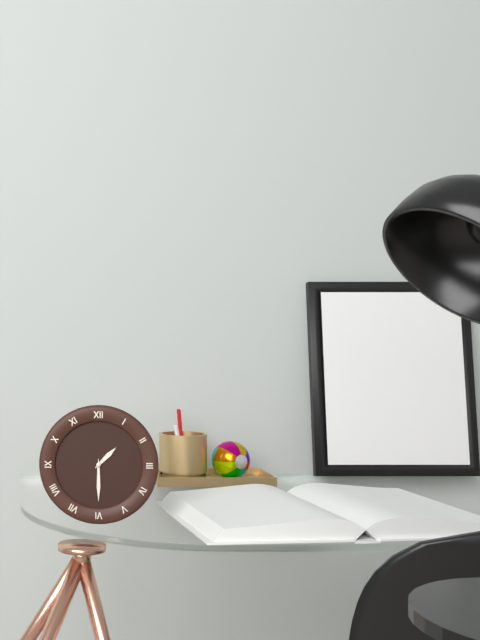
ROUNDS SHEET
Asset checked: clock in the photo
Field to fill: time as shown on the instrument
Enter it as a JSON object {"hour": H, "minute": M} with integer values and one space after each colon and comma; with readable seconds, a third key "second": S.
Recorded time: {"hour": 1, "minute": 30}
